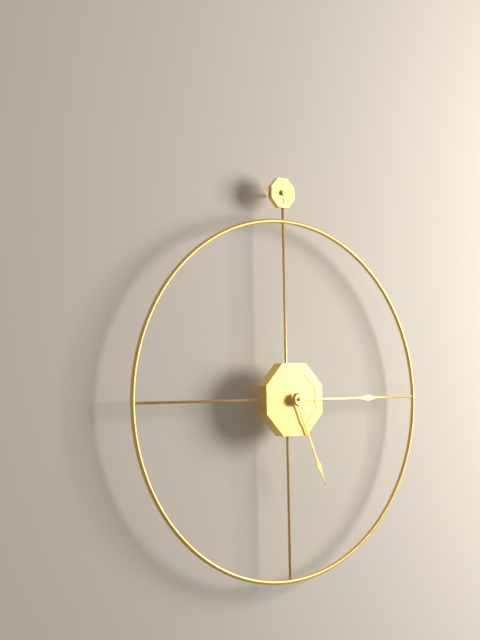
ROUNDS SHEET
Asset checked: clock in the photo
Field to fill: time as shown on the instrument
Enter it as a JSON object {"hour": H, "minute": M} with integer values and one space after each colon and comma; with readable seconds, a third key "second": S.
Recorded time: {"hour": 5, "minute": 15}
